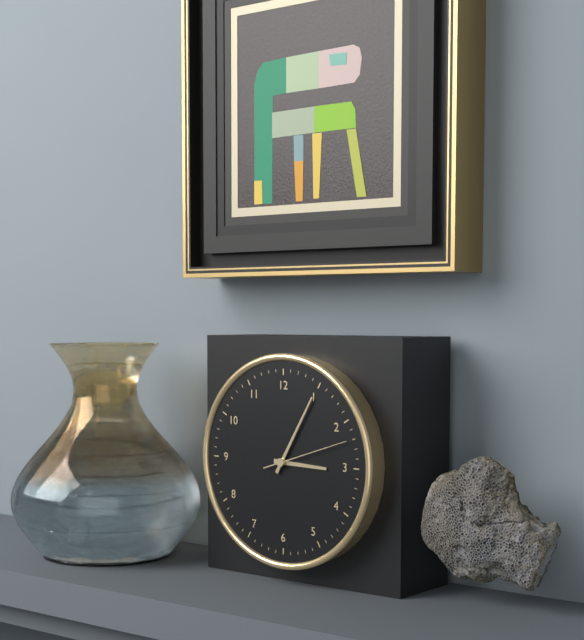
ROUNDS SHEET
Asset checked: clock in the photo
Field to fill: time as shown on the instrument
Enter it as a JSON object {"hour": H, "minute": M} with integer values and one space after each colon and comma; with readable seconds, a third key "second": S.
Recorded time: {"hour": 3, "minute": 5, "second": 12}
